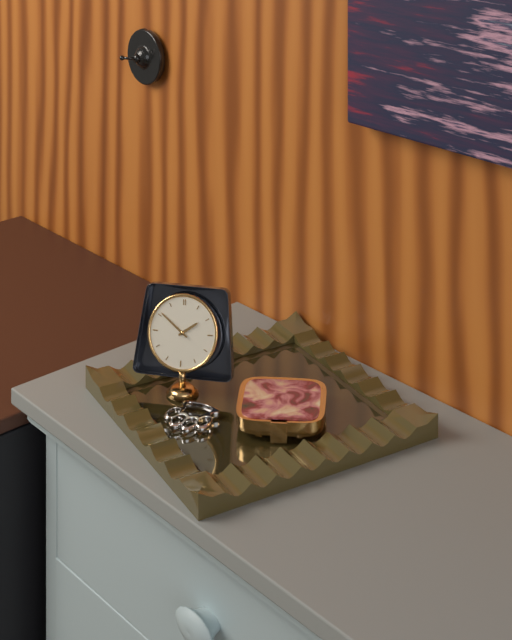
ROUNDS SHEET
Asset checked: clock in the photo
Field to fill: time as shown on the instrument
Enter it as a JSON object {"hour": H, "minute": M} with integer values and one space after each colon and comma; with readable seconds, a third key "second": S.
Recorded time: {"hour": 1, "minute": 51}
